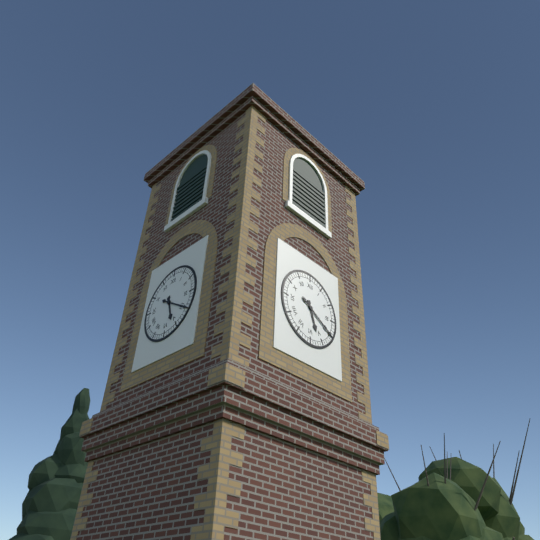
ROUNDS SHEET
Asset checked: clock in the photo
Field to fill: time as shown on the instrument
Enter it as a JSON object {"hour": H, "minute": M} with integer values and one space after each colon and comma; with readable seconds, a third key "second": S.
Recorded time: {"hour": 5, "minute": 20}
